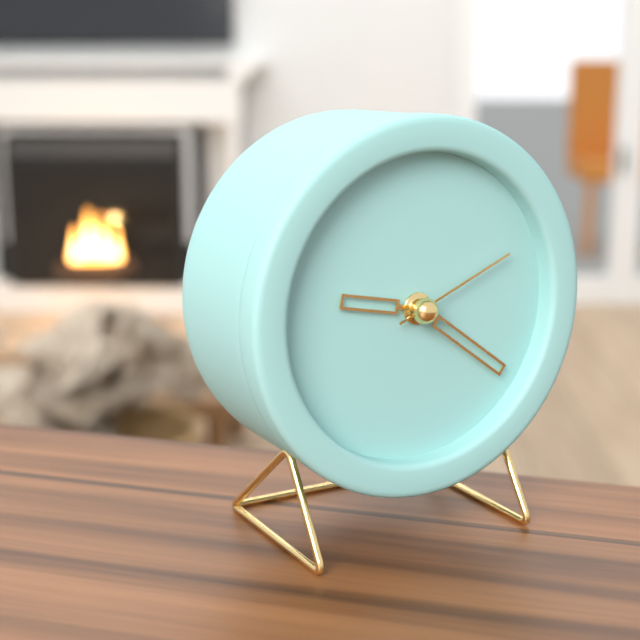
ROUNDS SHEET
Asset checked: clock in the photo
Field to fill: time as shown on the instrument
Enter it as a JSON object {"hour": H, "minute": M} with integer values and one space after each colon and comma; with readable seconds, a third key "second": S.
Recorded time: {"hour": 9, "minute": 21, "second": 11}
